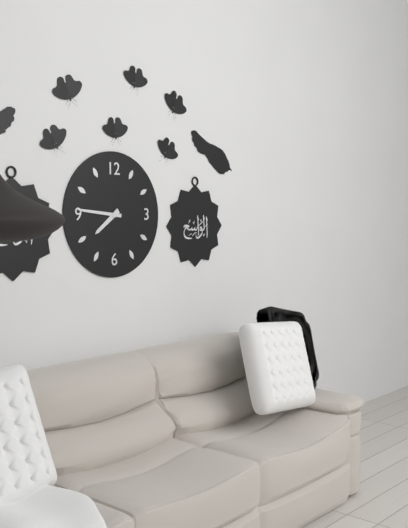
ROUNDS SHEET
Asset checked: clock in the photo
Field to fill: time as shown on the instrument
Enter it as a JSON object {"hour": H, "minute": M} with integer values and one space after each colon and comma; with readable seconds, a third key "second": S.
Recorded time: {"hour": 7, "minute": 46}
